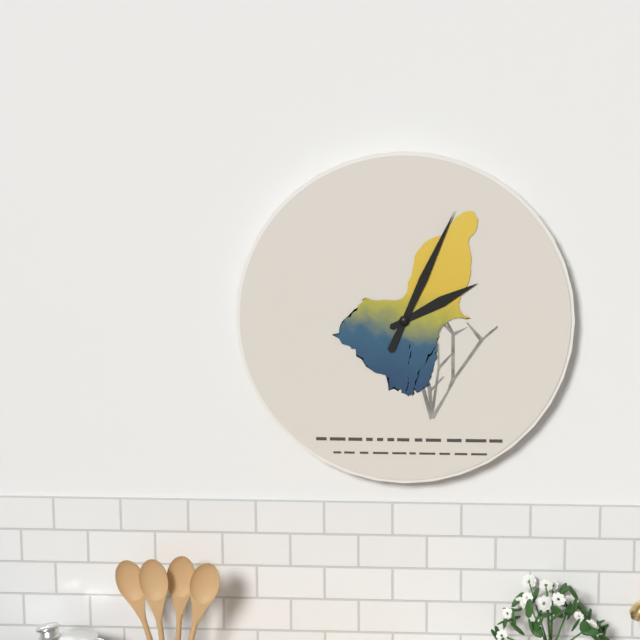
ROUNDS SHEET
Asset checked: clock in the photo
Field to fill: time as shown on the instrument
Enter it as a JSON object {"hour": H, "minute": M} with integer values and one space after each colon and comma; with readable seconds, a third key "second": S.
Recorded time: {"hour": 2, "minute": 4}
